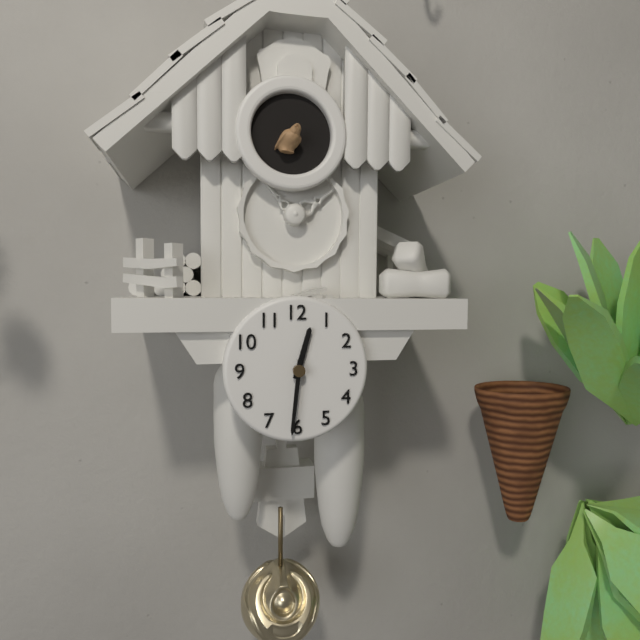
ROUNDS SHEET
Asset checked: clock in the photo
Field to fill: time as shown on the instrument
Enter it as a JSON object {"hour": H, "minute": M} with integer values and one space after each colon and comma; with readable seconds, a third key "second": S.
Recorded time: {"hour": 12, "minute": 31}
